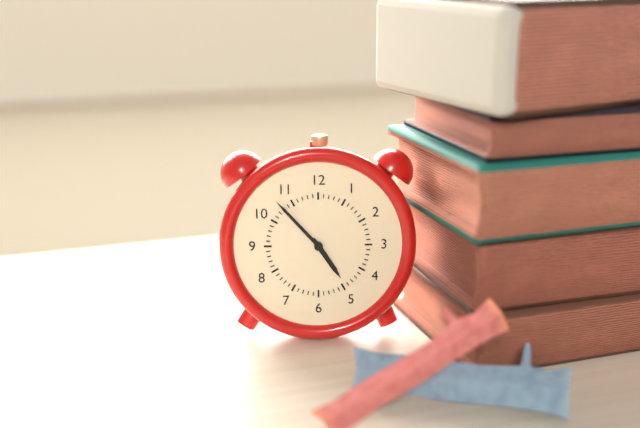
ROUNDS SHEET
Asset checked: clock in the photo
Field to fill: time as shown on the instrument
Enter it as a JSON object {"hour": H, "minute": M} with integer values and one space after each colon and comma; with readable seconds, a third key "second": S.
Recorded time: {"hour": 4, "minute": 53}
